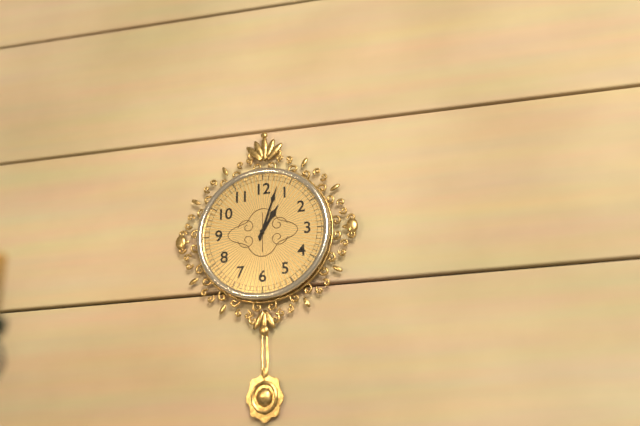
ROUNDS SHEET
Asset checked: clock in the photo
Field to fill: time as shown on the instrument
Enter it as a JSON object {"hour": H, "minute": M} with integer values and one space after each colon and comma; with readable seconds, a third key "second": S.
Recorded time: {"hour": 1, "minute": 3}
